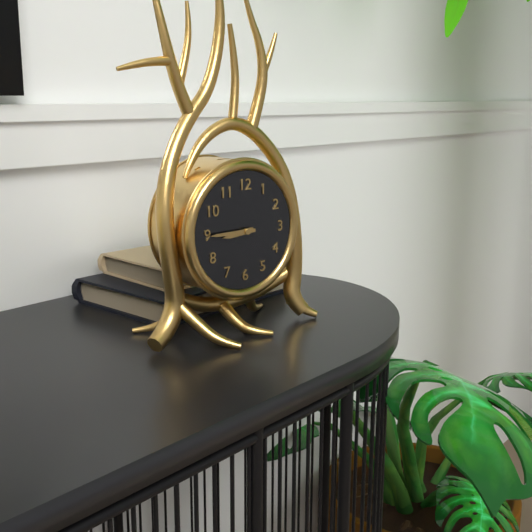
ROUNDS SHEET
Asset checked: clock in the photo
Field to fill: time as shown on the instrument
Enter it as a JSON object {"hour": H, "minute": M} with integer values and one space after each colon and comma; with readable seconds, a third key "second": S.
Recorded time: {"hour": 8, "minute": 45}
